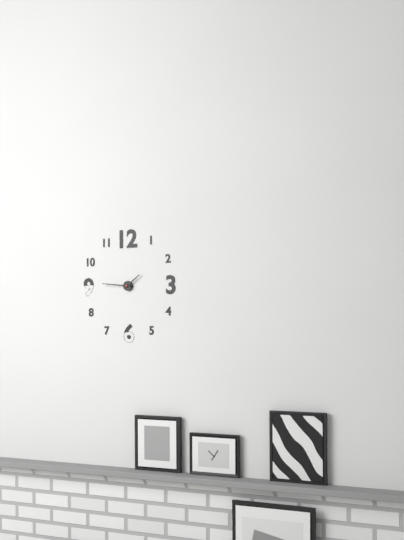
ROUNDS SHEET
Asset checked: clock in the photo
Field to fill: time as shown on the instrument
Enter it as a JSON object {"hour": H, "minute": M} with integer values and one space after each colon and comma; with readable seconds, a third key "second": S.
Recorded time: {"hour": 1, "minute": 46}
